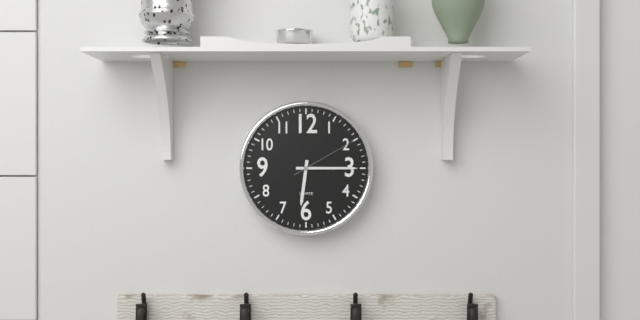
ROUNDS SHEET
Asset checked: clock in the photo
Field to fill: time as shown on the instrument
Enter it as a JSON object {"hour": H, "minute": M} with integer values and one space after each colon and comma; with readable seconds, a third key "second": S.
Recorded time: {"hour": 6, "minute": 15, "second": 10}
